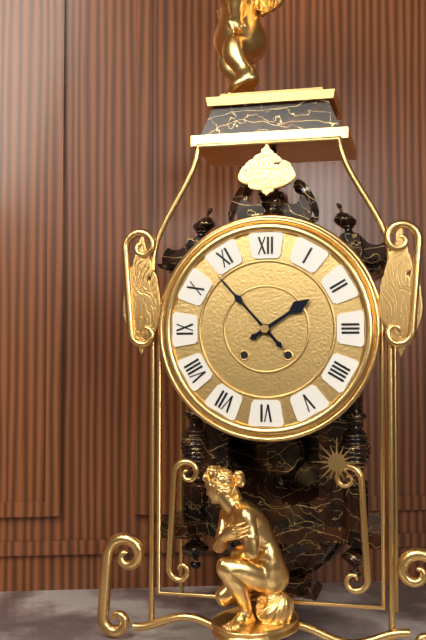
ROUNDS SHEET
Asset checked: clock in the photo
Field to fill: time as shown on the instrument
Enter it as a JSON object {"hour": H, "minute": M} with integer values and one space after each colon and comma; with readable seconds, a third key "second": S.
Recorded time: {"hour": 1, "minute": 53}
